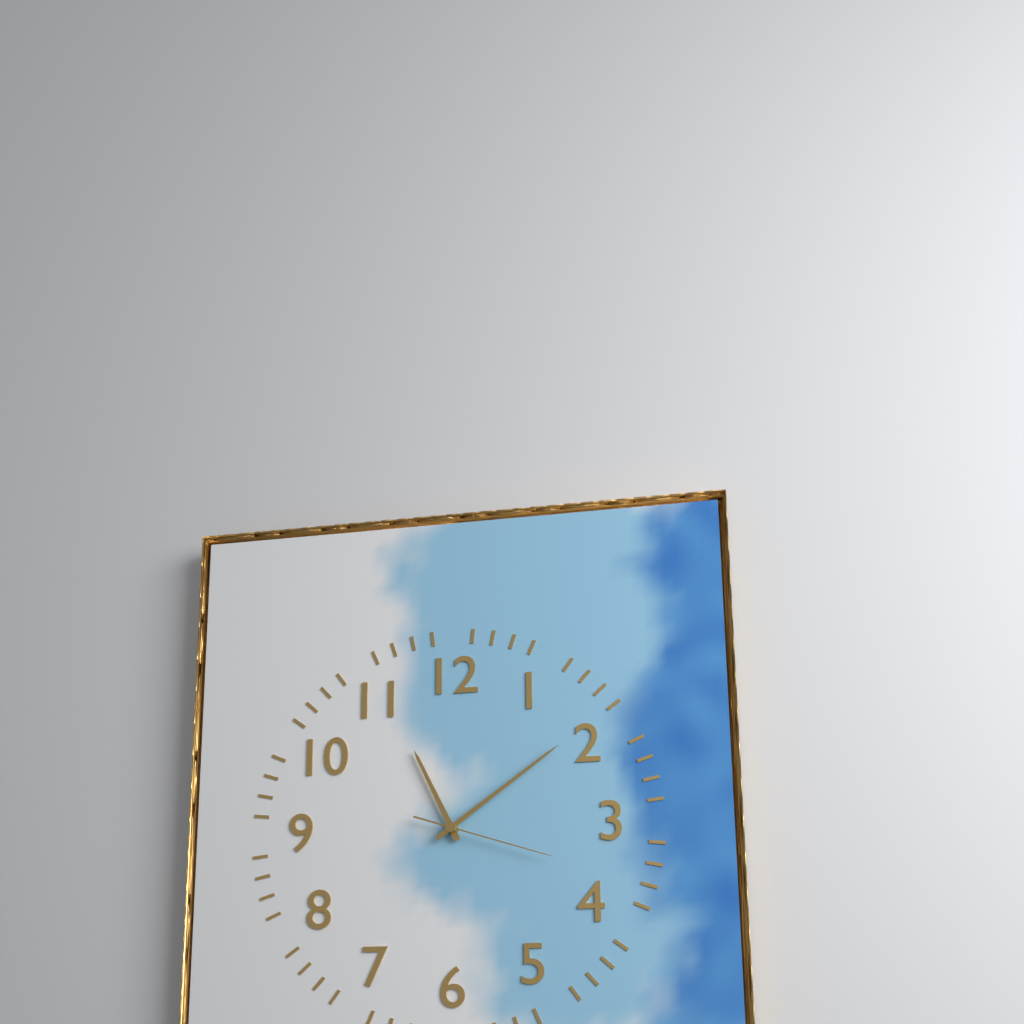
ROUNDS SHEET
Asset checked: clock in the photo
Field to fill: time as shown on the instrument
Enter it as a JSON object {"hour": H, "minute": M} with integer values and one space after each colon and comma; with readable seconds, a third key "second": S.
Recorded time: {"hour": 11, "minute": 9, "second": 18}
